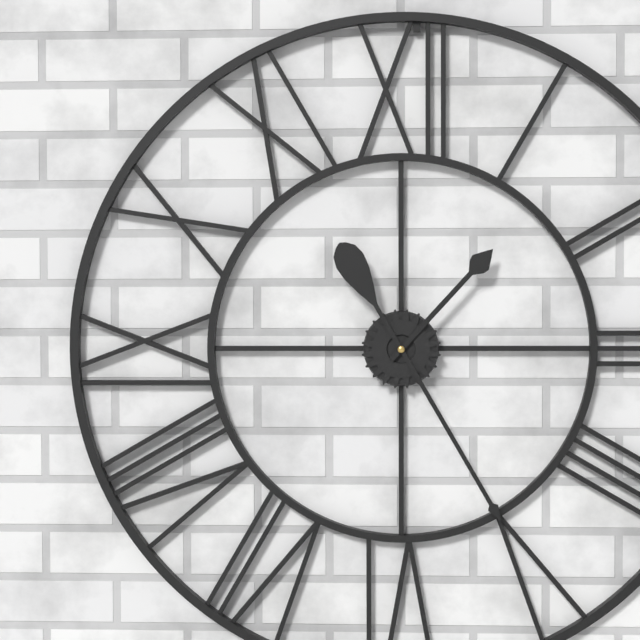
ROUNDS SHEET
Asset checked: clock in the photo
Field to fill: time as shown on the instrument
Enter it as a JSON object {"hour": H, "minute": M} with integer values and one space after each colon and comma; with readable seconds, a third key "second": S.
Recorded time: {"hour": 1, "minute": 25}
